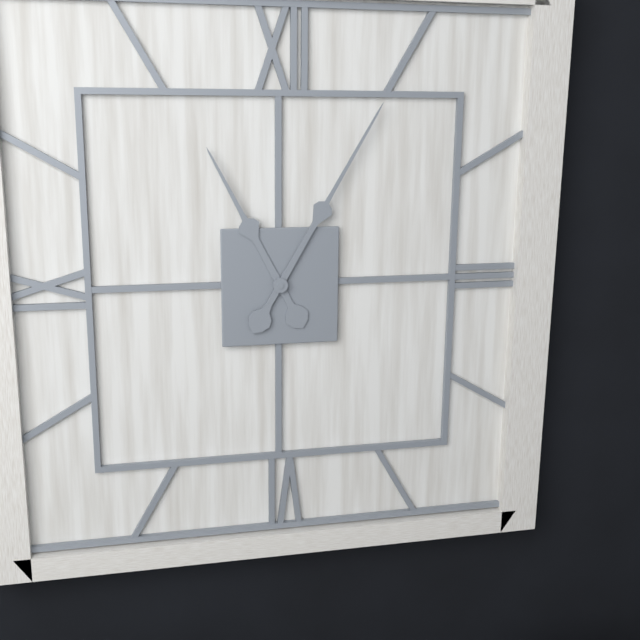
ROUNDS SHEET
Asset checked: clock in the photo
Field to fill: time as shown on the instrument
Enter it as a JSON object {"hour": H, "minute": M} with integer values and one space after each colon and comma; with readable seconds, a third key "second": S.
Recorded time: {"hour": 11, "minute": 5}
